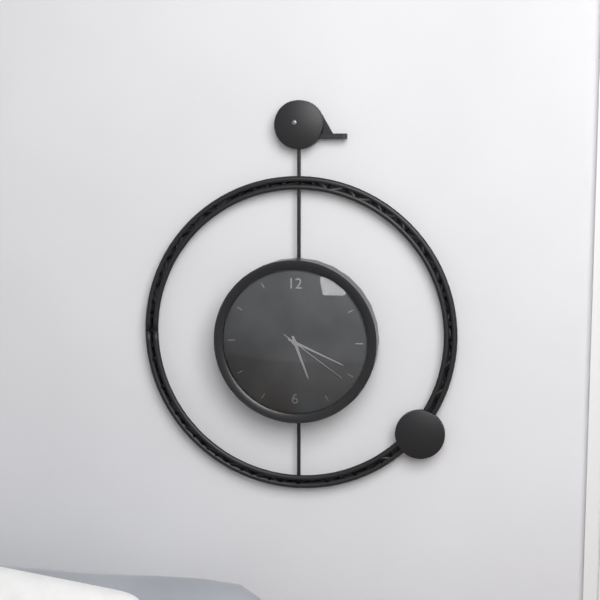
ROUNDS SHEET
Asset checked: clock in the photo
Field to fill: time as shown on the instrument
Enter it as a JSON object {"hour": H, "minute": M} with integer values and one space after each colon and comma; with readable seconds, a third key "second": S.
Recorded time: {"hour": 5, "minute": 19, "second": 21}
